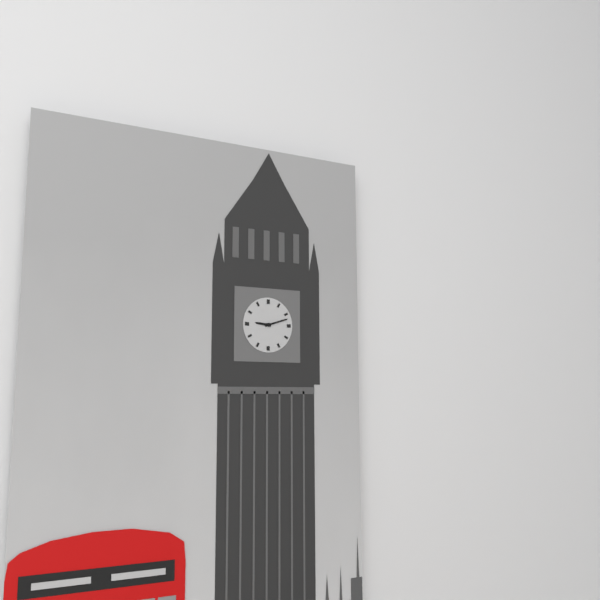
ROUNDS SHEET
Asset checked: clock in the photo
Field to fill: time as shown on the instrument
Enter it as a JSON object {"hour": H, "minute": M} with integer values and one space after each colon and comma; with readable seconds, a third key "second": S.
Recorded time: {"hour": 9, "minute": 12}
